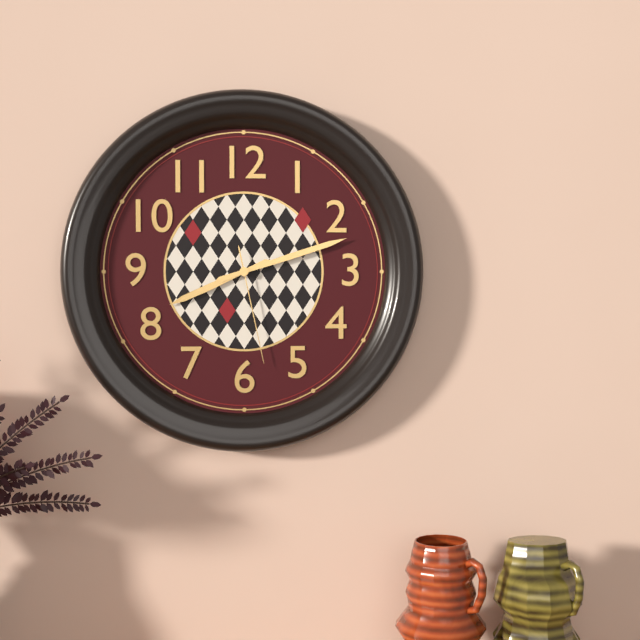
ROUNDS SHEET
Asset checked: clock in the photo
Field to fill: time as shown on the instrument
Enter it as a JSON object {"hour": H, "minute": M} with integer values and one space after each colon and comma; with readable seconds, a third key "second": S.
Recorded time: {"hour": 8, "minute": 12, "second": 28}
